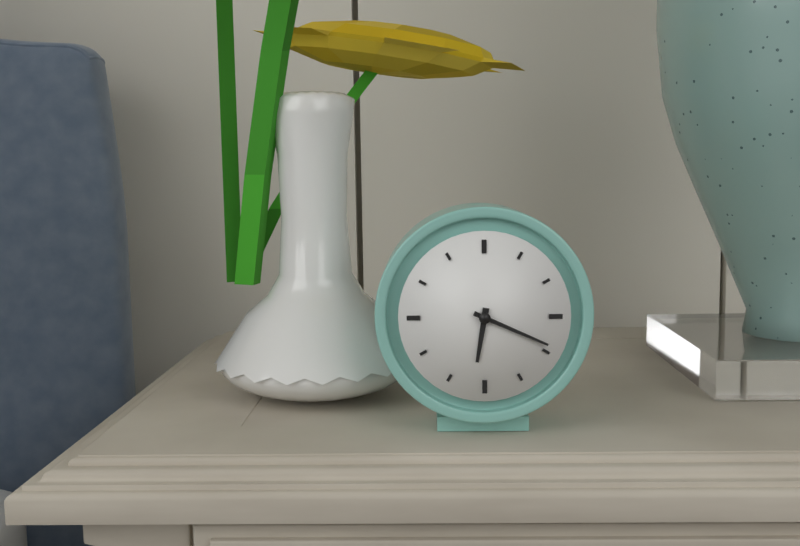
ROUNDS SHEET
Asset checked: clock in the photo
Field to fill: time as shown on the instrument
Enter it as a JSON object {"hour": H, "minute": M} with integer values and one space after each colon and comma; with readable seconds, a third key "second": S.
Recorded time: {"hour": 6, "minute": 19}
